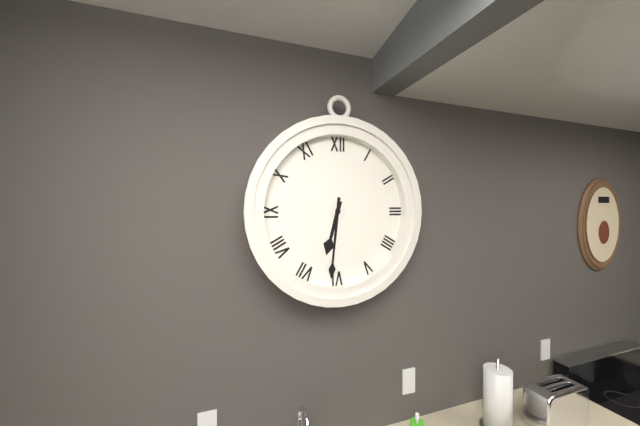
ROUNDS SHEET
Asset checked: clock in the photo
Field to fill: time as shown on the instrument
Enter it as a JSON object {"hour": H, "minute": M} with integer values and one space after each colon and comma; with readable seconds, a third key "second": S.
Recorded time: {"hour": 6, "minute": 31}
